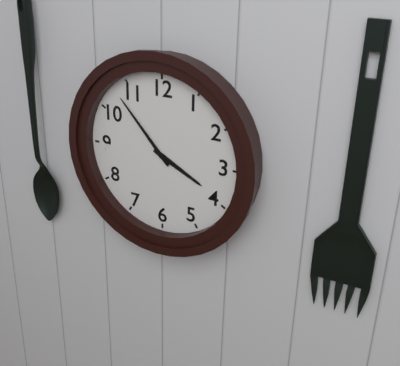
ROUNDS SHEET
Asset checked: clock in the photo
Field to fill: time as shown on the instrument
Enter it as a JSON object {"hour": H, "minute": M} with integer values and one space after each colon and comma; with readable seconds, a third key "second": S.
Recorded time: {"hour": 3, "minute": 53}
